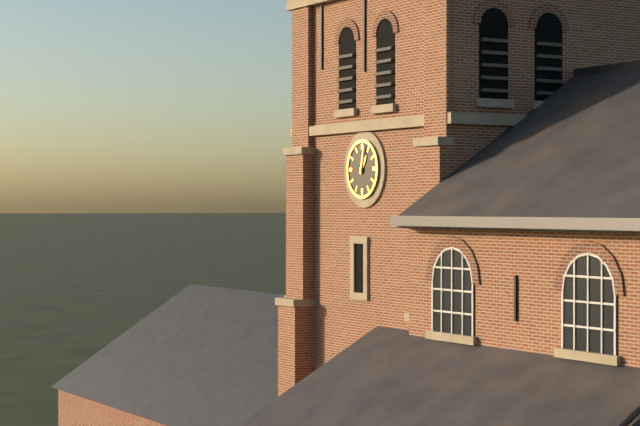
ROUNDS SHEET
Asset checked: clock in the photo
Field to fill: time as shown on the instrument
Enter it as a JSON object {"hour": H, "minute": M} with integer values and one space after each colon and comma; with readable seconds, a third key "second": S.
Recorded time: {"hour": 1, "minute": 2}
